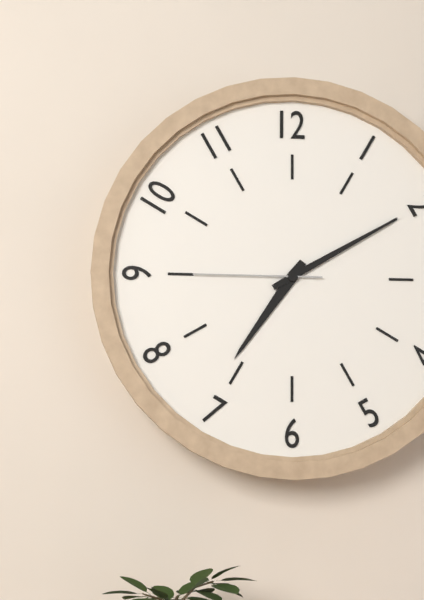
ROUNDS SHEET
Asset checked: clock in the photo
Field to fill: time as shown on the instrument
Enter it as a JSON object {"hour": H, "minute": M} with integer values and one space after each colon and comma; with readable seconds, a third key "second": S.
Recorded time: {"hour": 7, "minute": 10, "second": 45}
